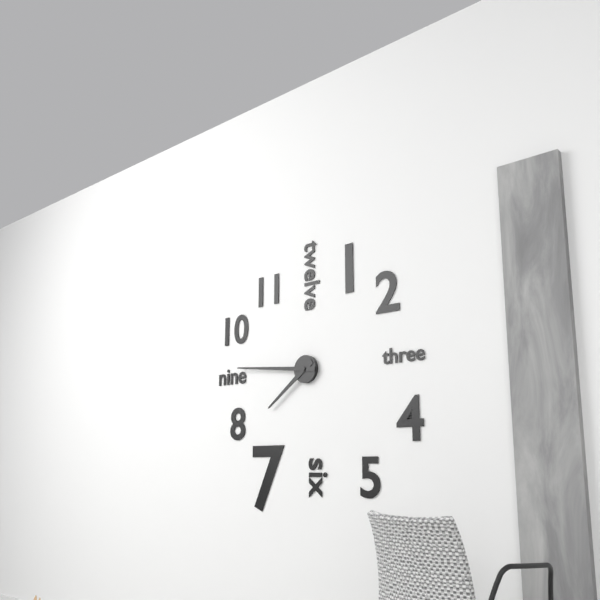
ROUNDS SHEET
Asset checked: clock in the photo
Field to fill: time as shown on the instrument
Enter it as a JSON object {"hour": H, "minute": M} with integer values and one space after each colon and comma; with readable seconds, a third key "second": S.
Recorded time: {"hour": 7, "minute": 46}
